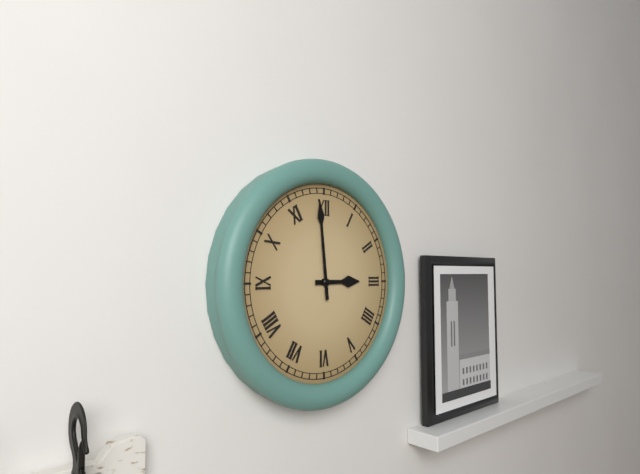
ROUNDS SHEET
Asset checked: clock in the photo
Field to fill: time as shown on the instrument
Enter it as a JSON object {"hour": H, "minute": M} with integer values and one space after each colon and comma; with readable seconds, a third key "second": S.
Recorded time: {"hour": 2, "minute": 59}
